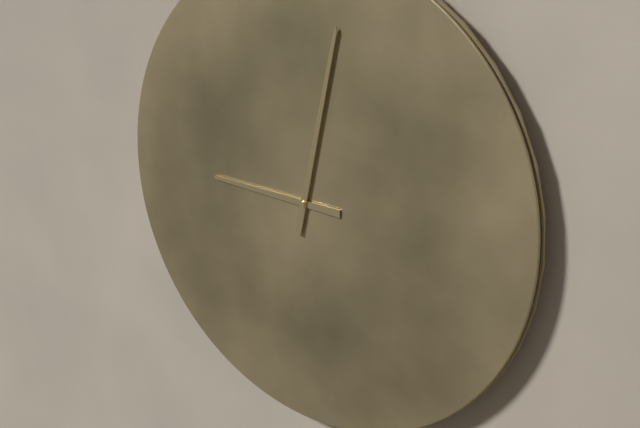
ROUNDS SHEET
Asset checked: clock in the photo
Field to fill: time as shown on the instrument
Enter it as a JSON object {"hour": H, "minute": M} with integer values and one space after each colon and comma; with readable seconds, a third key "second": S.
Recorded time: {"hour": 9, "minute": 2}
